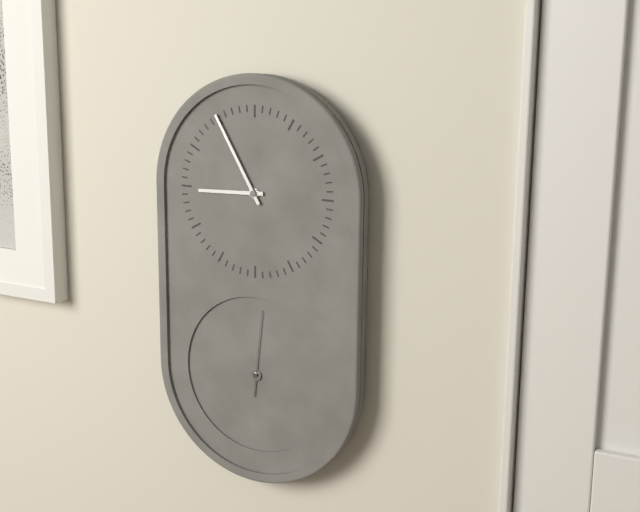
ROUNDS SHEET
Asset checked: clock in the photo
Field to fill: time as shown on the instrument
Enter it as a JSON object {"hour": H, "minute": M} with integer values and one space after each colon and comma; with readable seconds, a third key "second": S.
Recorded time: {"hour": 8, "minute": 55, "second": 1}
